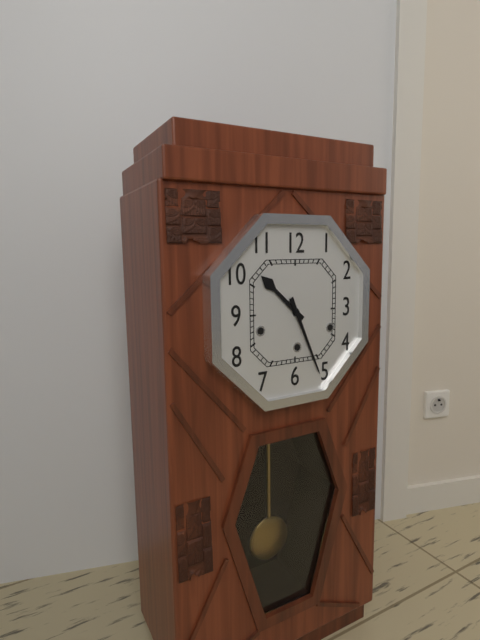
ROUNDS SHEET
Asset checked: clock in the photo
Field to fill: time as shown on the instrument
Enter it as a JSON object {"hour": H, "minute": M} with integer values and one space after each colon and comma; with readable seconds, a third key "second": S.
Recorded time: {"hour": 10, "minute": 26}
